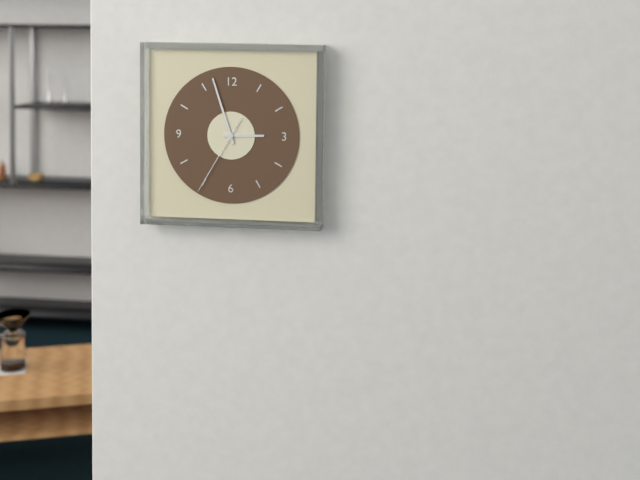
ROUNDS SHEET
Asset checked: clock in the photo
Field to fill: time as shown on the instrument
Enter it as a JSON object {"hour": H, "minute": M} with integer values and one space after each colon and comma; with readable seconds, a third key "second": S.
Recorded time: {"hour": 2, "minute": 57, "second": 35}
